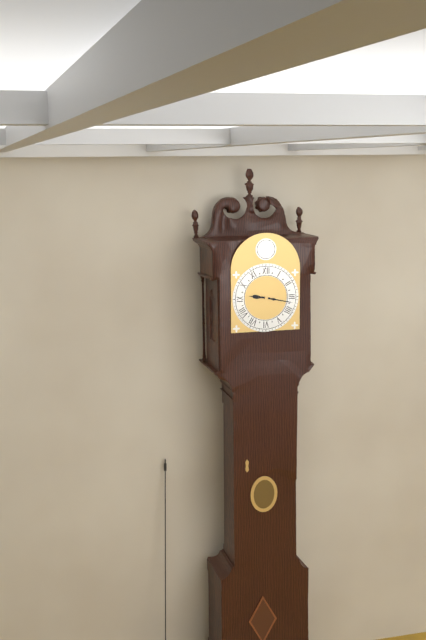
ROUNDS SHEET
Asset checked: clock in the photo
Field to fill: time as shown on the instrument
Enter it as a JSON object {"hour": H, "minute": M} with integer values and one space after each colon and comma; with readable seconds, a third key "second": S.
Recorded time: {"hour": 9, "minute": 17}
